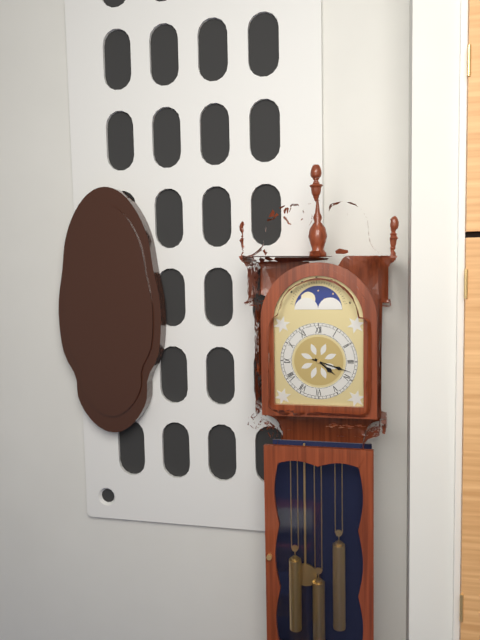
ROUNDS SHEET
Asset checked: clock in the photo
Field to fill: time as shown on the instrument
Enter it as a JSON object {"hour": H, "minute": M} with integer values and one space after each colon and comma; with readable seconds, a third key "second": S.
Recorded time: {"hour": 4, "minute": 18}
